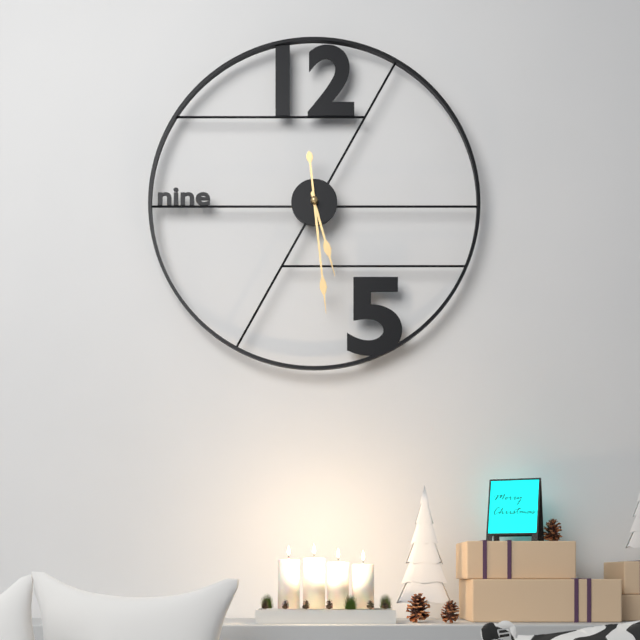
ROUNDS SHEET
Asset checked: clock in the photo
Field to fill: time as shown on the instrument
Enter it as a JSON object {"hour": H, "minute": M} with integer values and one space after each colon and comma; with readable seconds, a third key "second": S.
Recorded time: {"hour": 5, "minute": 29}
